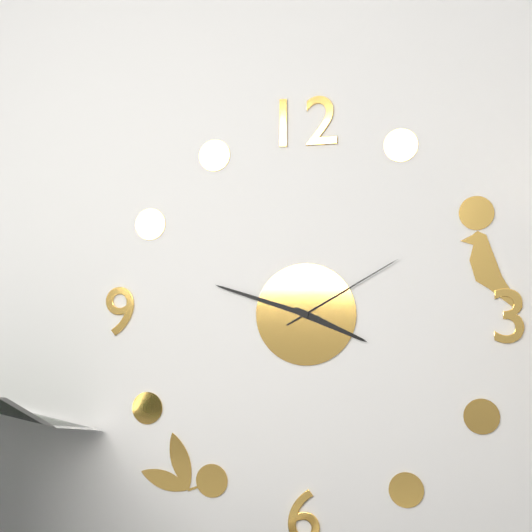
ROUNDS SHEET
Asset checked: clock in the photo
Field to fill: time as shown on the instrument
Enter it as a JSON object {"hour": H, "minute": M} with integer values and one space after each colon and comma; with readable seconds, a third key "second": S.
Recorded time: {"hour": 3, "minute": 48, "second": 10}
